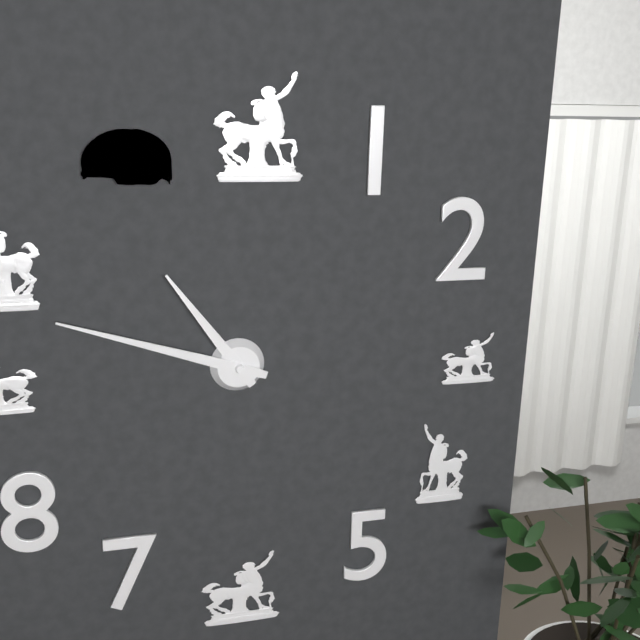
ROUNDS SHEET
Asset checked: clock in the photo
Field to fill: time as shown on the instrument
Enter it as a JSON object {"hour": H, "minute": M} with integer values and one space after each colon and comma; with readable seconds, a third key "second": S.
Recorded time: {"hour": 10, "minute": 48}
